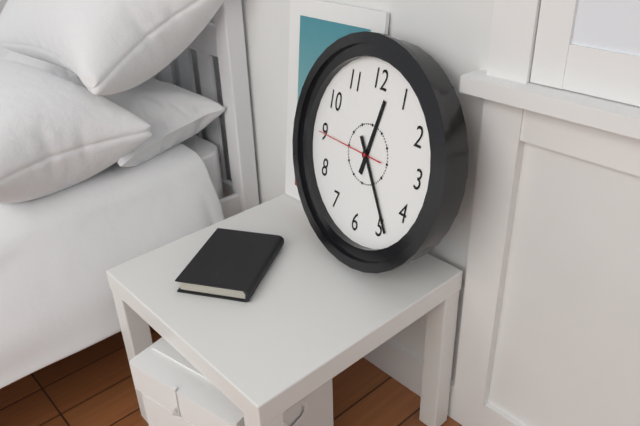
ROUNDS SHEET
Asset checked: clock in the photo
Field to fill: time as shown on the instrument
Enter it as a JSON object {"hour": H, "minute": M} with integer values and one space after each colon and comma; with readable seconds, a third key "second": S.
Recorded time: {"hour": 12, "minute": 24, "second": 45}
